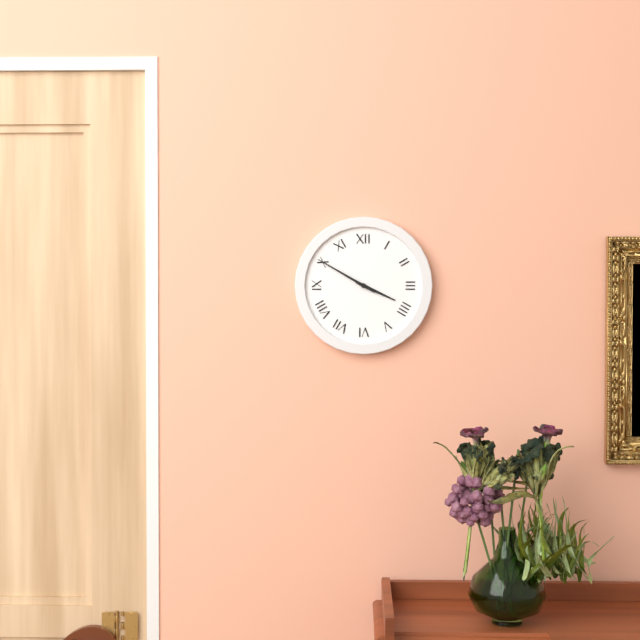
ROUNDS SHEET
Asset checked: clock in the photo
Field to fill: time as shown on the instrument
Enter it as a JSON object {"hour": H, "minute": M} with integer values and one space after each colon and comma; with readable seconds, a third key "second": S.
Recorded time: {"hour": 3, "minute": 50}
